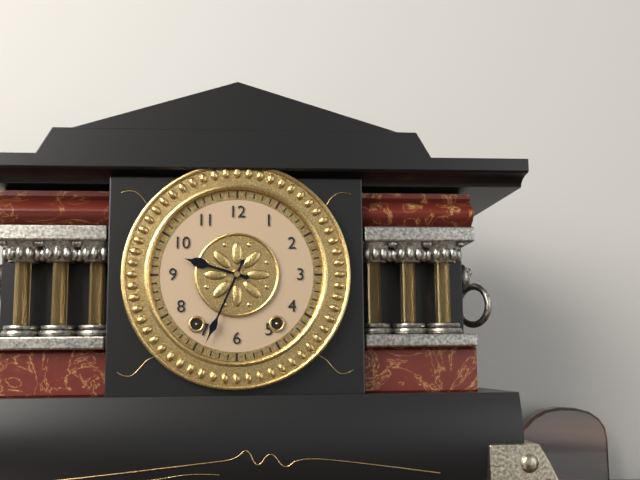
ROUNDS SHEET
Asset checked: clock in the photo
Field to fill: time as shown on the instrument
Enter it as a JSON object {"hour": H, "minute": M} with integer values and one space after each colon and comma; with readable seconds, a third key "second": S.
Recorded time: {"hour": 9, "minute": 34}
